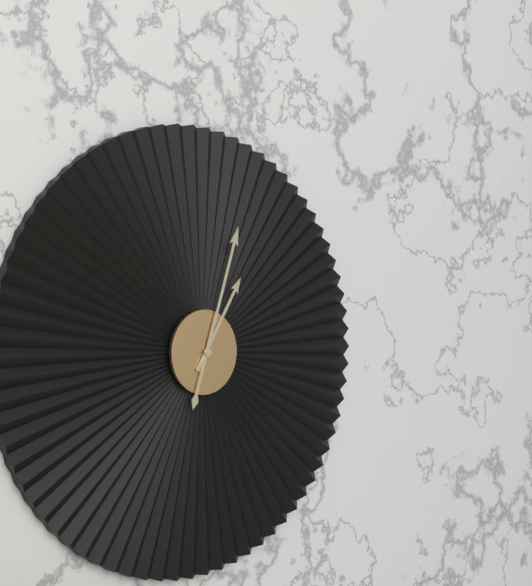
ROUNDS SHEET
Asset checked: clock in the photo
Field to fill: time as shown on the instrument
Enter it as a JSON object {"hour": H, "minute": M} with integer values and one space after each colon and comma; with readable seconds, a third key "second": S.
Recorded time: {"hour": 1, "minute": 3}
